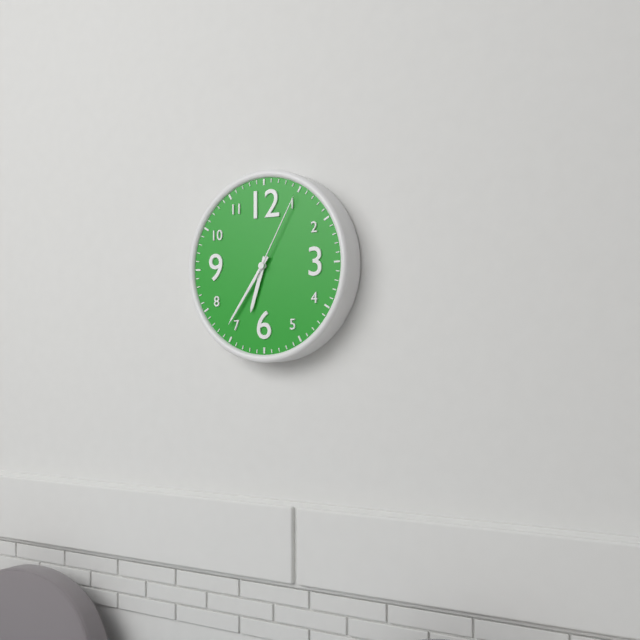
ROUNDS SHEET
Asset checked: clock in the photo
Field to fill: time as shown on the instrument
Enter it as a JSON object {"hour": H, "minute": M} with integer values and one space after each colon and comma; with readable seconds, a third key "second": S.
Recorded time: {"hour": 6, "minute": 36, "second": 5}
